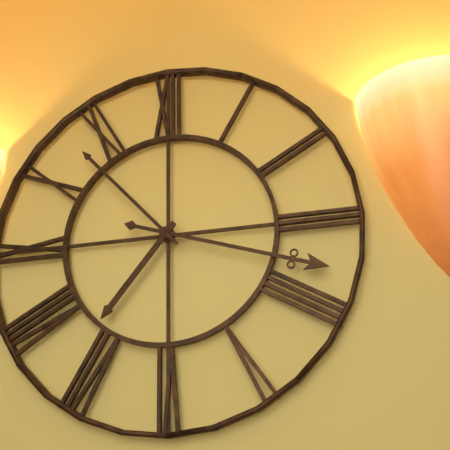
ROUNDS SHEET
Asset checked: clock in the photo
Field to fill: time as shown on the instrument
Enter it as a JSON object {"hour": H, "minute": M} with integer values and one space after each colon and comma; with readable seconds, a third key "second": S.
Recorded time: {"hour": 7, "minute": 18, "second": 53}
